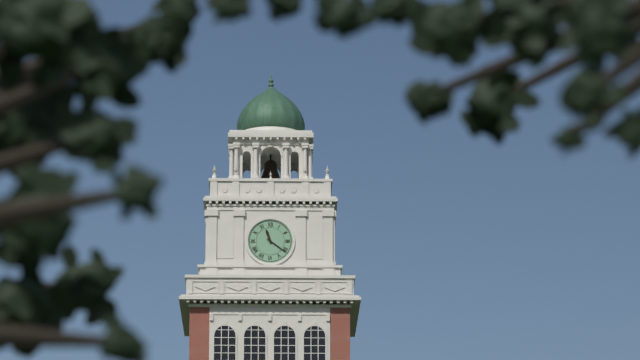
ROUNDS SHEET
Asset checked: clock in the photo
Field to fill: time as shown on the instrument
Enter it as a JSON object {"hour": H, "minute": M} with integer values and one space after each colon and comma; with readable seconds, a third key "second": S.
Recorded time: {"hour": 11, "minute": 21}
